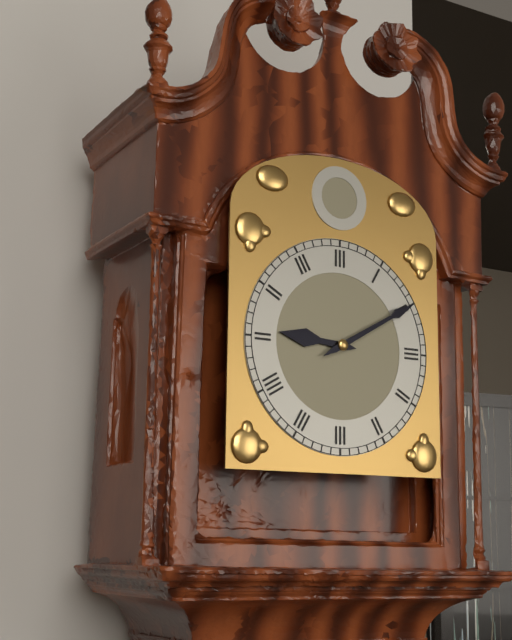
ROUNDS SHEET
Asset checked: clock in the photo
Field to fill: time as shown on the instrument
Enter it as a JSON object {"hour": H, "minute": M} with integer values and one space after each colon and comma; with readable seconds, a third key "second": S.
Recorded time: {"hour": 9, "minute": 10}
